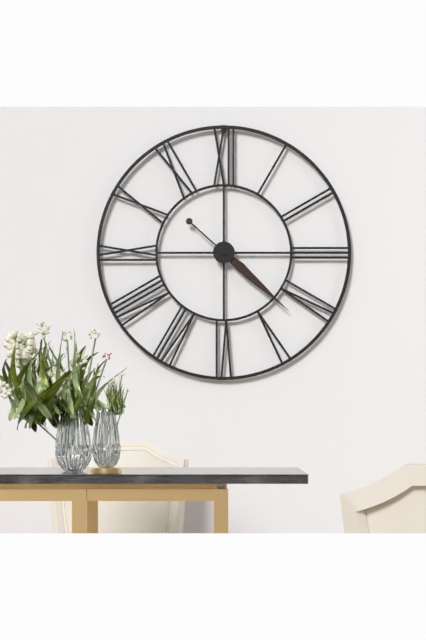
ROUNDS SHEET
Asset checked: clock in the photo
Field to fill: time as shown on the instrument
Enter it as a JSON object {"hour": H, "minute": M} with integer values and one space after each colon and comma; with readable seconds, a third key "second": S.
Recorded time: {"hour": 4, "minute": 22}
